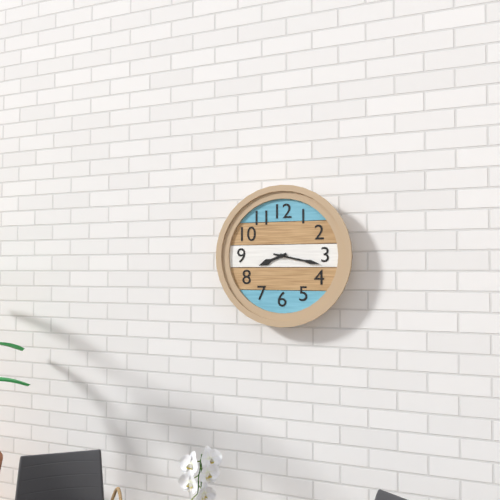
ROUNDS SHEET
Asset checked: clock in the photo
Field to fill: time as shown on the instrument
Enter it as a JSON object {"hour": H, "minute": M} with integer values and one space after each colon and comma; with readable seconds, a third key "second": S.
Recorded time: {"hour": 8, "minute": 17}
